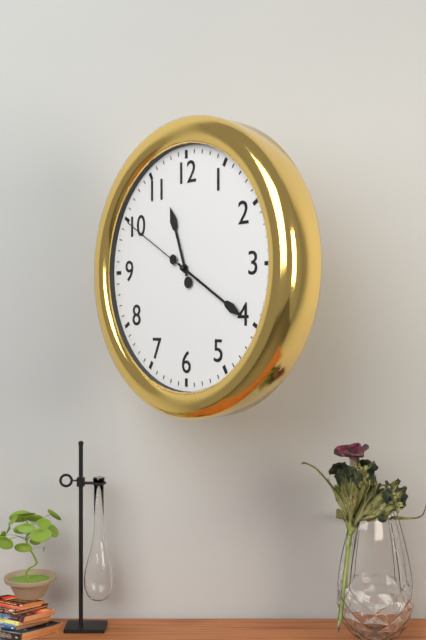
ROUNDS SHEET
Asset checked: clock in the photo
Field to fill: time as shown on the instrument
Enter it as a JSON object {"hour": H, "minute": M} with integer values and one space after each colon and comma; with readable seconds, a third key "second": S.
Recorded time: {"hour": 11, "minute": 20, "second": 50}
